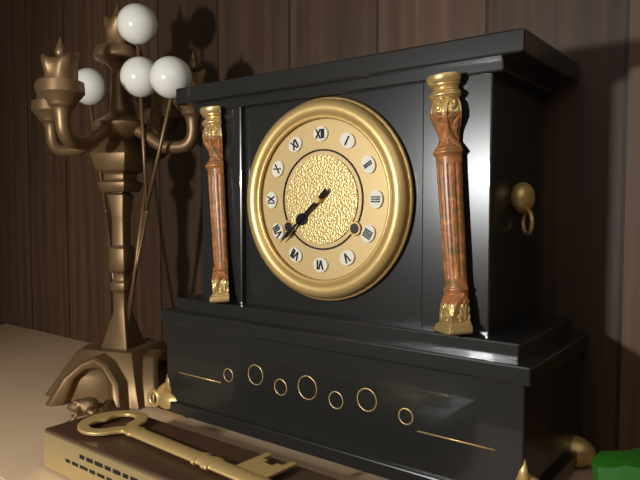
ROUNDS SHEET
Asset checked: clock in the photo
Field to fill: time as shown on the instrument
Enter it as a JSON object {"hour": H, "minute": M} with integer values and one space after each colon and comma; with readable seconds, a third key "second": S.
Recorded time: {"hour": 7, "minute": 38}
